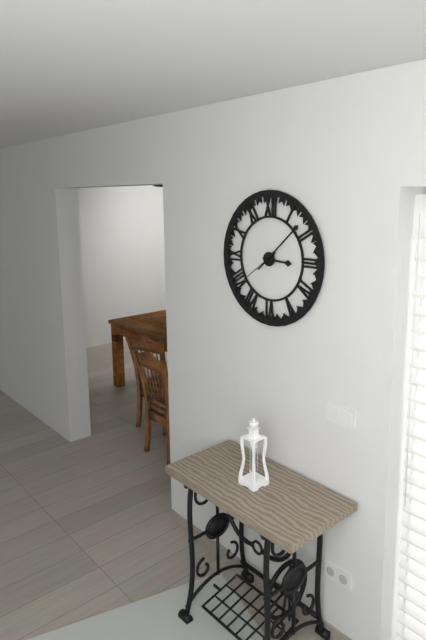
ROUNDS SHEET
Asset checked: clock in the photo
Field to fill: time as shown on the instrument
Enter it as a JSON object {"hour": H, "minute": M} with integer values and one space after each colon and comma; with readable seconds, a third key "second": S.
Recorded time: {"hour": 3, "minute": 8, "second": 39}
